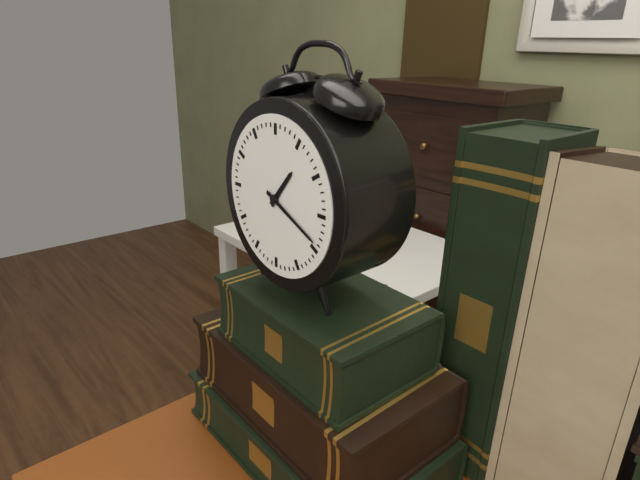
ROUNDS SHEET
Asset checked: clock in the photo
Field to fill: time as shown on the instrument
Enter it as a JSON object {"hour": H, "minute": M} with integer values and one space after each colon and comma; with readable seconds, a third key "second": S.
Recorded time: {"hour": 1, "minute": 19}
